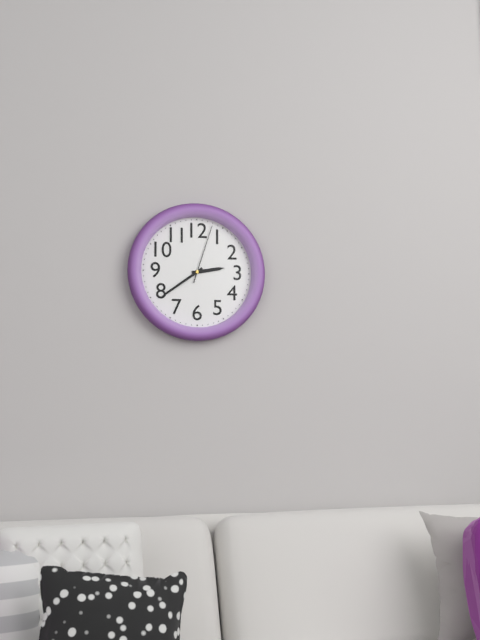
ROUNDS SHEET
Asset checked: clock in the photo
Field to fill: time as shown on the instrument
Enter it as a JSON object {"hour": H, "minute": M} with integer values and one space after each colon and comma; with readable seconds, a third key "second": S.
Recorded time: {"hour": 2, "minute": 39, "second": 3}
